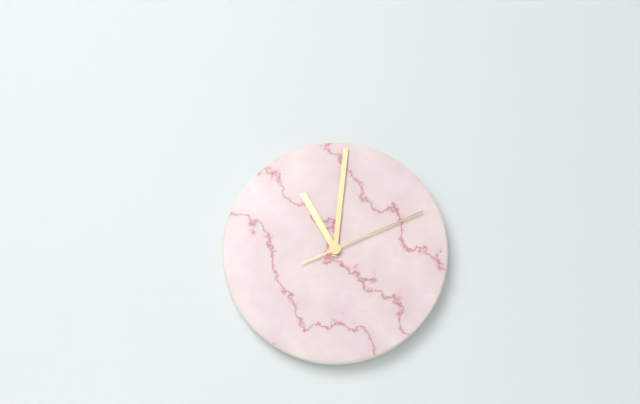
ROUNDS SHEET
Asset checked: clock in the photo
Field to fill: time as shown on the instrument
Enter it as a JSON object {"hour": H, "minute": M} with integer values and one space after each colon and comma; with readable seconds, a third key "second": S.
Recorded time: {"hour": 11, "minute": 1, "second": 11}
